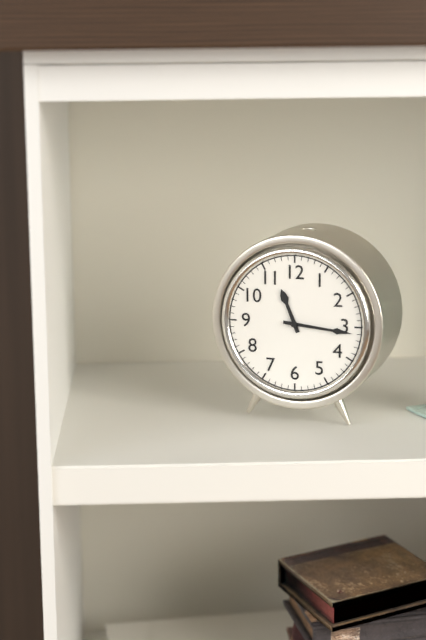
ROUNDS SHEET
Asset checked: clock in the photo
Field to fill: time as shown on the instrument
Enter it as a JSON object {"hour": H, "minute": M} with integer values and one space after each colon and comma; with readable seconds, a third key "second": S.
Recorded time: {"hour": 11, "minute": 16}
